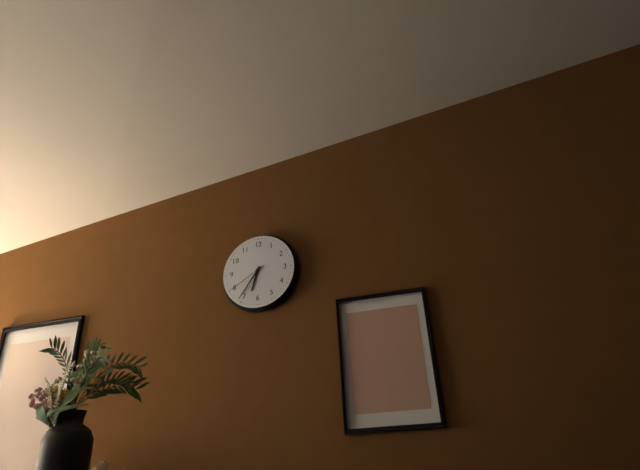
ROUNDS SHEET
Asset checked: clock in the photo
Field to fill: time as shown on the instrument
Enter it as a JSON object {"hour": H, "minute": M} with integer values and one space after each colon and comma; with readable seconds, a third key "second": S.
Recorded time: {"hour": 6, "minute": 36}
